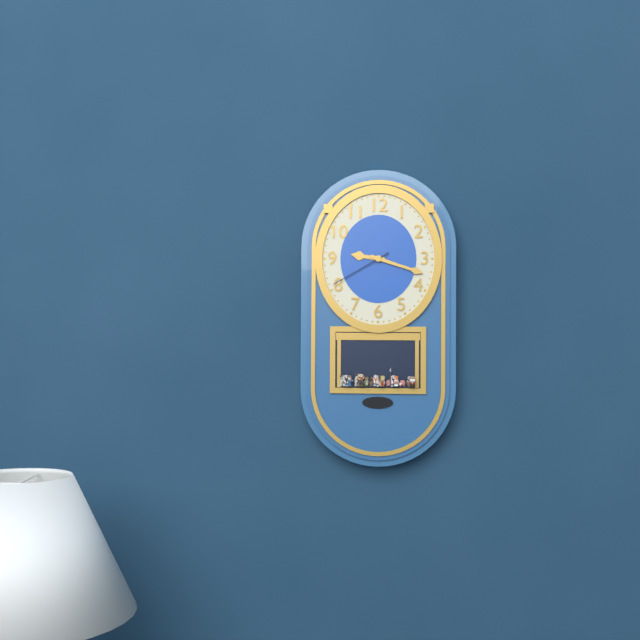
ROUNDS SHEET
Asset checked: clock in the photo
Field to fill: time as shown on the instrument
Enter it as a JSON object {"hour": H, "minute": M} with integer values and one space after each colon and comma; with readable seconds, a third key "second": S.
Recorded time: {"hour": 9, "minute": 18, "second": 40}
